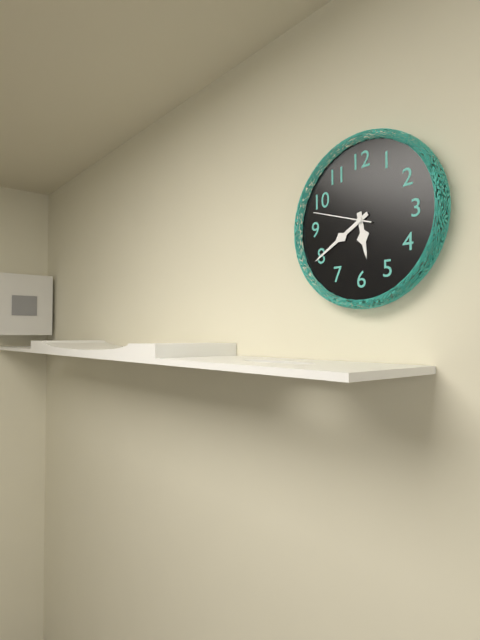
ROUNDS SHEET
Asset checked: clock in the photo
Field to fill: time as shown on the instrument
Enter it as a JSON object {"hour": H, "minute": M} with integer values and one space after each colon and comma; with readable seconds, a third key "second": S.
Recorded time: {"hour": 5, "minute": 40, "second": 48}
